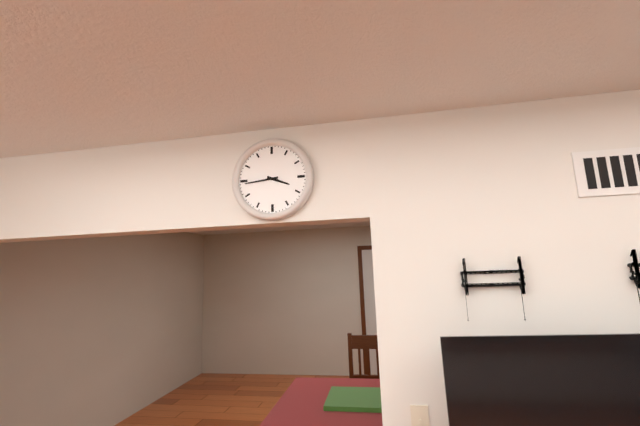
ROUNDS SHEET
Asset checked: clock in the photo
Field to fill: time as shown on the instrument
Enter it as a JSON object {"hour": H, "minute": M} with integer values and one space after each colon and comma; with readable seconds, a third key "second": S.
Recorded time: {"hour": 3, "minute": 44}
